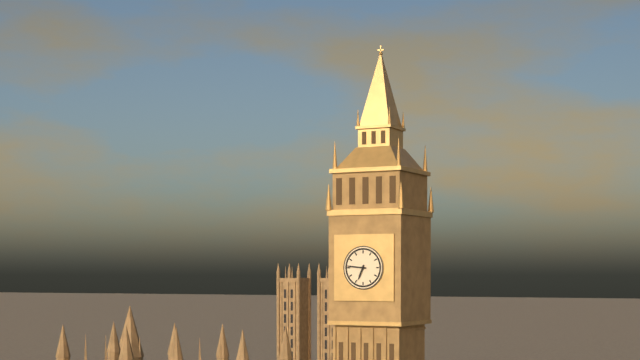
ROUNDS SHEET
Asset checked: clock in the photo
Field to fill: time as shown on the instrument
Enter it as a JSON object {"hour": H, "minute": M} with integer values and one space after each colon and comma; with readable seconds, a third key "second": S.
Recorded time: {"hour": 6, "minute": 46}
